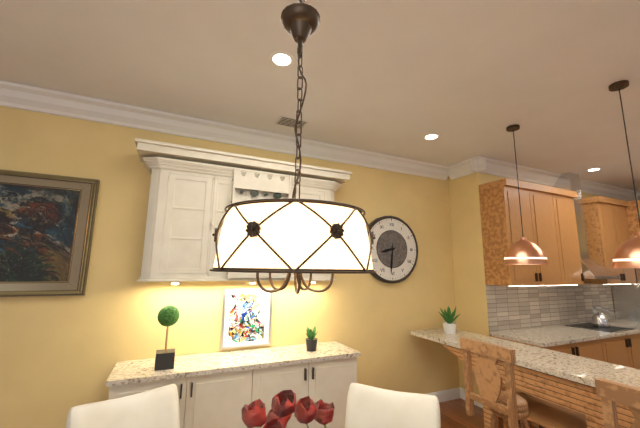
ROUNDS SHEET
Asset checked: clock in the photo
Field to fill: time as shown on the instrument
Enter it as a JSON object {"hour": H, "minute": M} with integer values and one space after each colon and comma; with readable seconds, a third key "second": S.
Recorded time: {"hour": 8, "minute": 31}
